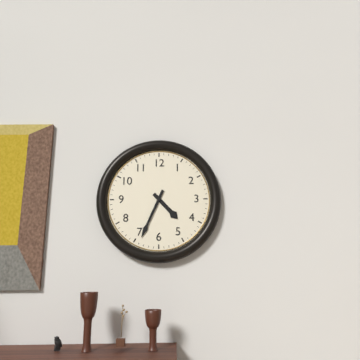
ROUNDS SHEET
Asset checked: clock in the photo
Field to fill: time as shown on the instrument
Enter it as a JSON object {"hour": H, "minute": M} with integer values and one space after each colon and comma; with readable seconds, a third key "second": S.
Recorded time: {"hour": 4, "minute": 34}
